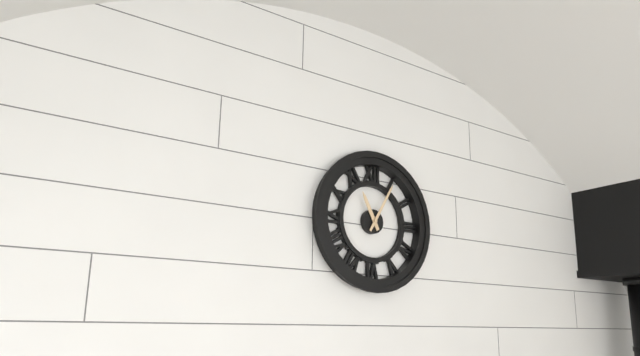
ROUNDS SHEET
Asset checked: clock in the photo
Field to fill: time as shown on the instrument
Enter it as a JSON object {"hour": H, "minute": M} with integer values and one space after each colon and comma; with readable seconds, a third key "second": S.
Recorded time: {"hour": 11, "minute": 5}
